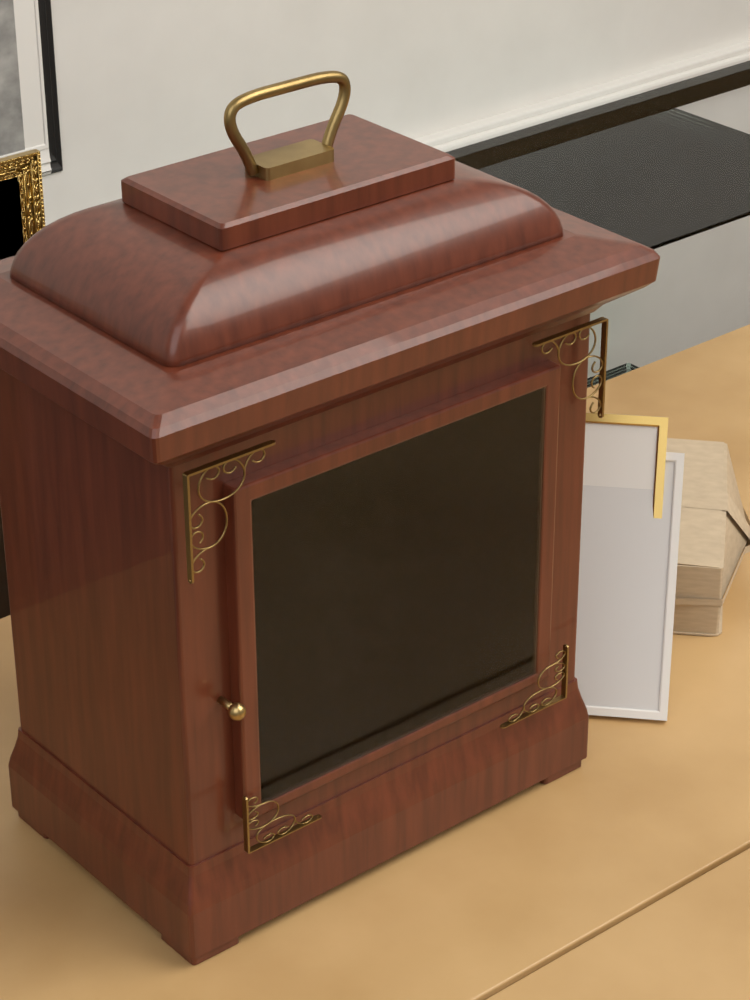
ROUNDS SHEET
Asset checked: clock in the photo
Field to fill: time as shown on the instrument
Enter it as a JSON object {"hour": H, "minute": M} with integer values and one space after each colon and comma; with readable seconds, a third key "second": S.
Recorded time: {"hour": 4, "minute": 35}
